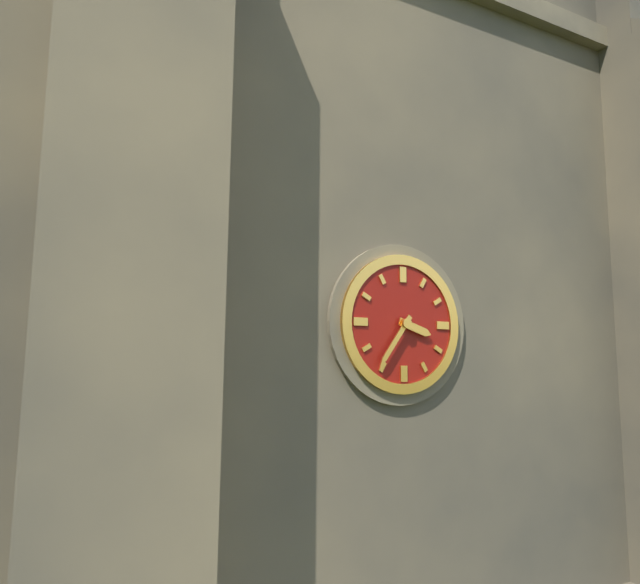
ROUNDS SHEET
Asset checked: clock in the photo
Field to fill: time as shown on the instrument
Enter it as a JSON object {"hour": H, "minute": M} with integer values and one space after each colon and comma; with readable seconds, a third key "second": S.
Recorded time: {"hour": 3, "minute": 36}
